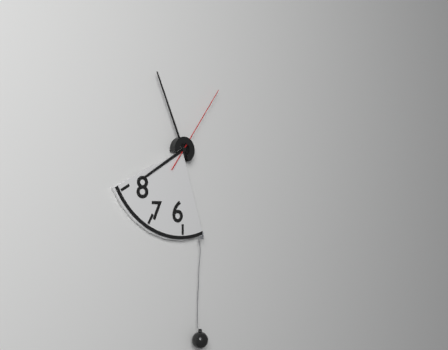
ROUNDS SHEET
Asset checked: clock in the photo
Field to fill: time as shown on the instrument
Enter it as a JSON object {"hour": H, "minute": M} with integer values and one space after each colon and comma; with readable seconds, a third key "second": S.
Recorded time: {"hour": 7, "minute": 56, "second": 6}
